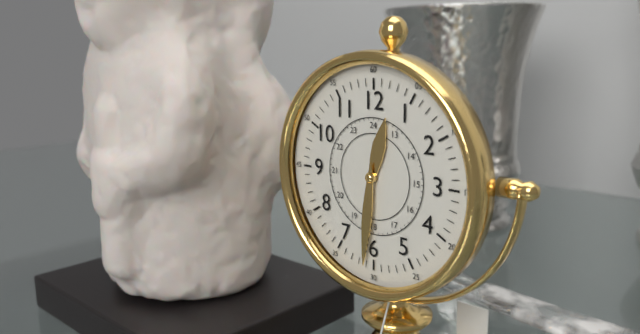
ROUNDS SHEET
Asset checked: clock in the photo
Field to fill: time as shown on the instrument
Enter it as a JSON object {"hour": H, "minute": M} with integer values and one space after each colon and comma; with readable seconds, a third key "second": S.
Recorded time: {"hour": 12, "minute": 31}
